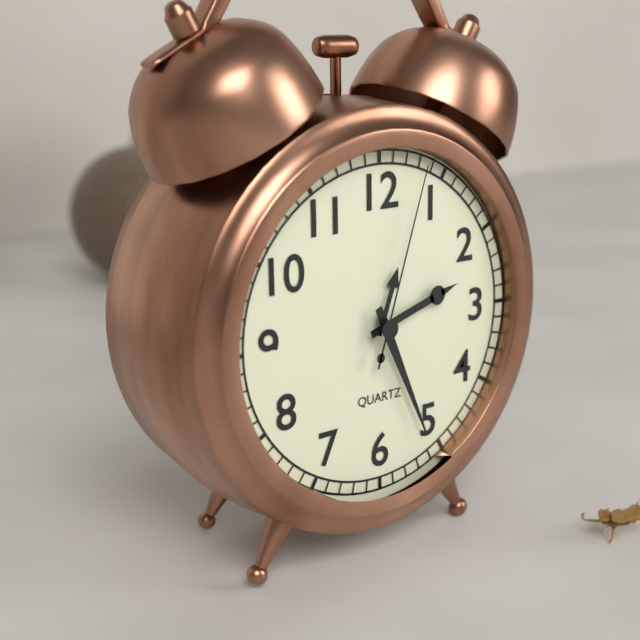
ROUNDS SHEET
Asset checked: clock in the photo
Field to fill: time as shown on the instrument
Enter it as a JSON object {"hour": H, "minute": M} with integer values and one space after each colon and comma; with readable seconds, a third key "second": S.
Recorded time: {"hour": 2, "minute": 26, "second": 3}
